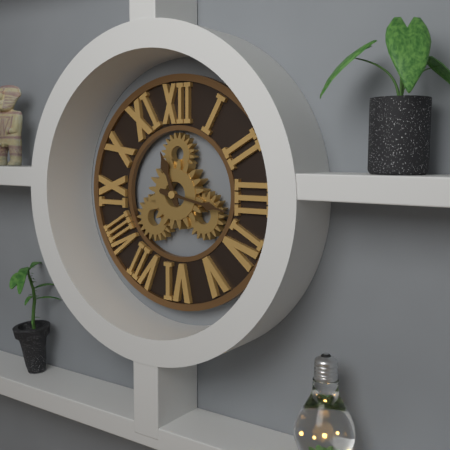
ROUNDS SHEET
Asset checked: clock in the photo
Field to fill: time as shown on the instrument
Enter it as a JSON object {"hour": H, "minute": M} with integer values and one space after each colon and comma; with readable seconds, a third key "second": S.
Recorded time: {"hour": 11, "minute": 17}
